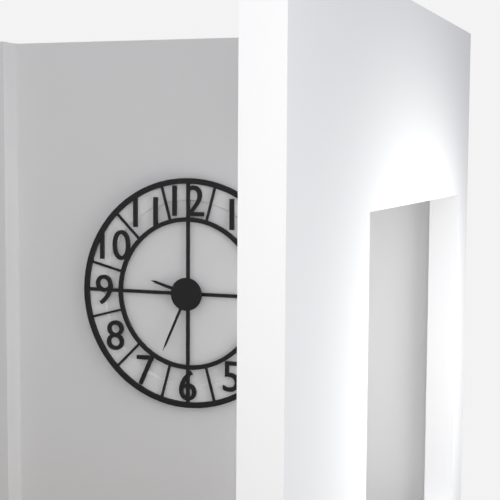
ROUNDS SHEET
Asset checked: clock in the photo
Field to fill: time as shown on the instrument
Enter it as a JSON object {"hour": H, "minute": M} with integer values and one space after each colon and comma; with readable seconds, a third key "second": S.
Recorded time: {"hour": 9, "minute": 34}
